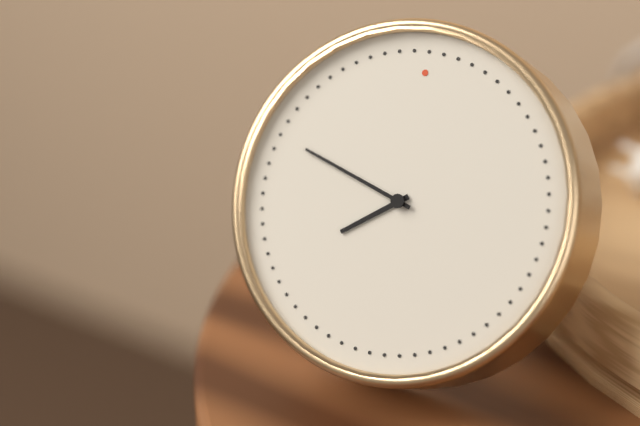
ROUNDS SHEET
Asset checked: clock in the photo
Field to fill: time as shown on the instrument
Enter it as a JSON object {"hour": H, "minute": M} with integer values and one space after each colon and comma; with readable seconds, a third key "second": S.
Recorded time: {"hour": 7, "minute": 48}
